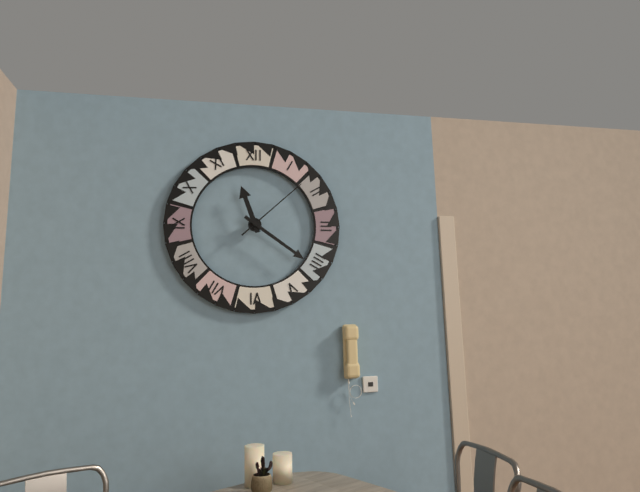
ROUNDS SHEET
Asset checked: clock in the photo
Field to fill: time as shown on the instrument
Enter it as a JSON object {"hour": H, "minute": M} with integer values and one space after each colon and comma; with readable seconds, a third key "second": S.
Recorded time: {"hour": 11, "minute": 21, "second": 8}
